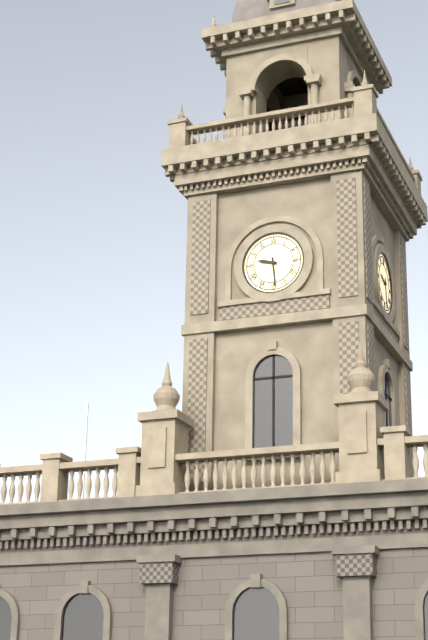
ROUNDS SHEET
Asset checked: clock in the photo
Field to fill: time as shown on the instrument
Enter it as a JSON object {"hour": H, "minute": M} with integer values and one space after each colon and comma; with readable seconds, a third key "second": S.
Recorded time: {"hour": 9, "minute": 29}
